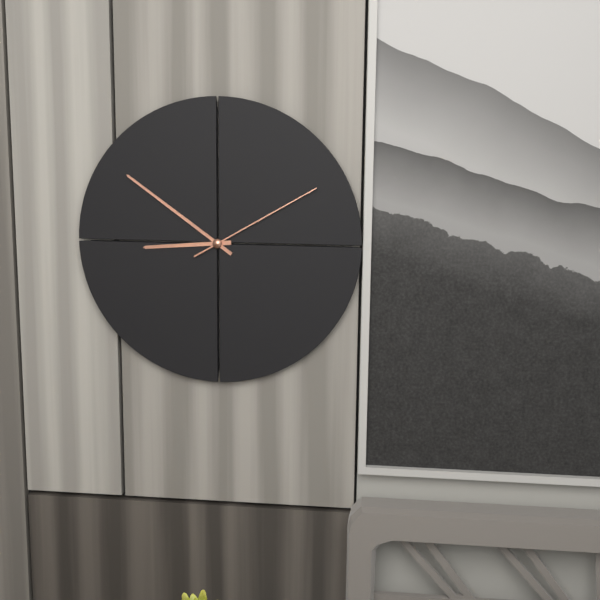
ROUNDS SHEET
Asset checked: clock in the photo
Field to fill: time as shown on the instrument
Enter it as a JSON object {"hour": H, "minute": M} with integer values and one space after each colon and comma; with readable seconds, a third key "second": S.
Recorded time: {"hour": 8, "minute": 51, "second": 10}
